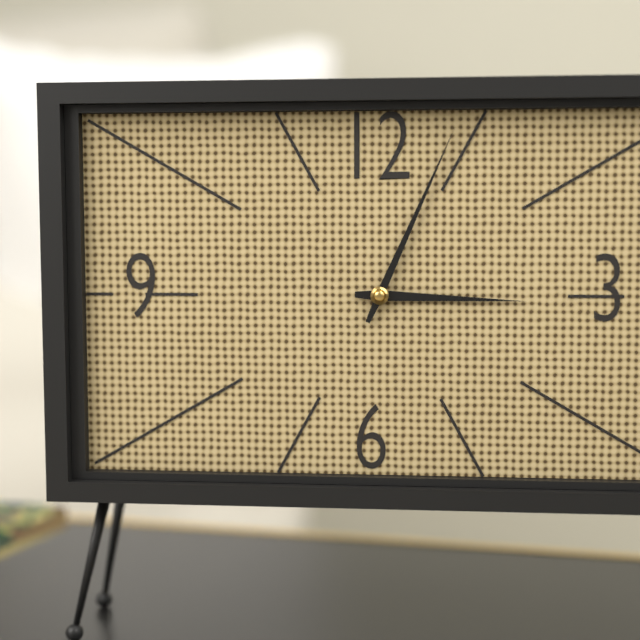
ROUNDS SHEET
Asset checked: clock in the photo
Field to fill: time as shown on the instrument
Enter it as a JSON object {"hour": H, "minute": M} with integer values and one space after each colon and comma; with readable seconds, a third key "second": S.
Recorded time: {"hour": 3, "minute": 4}
